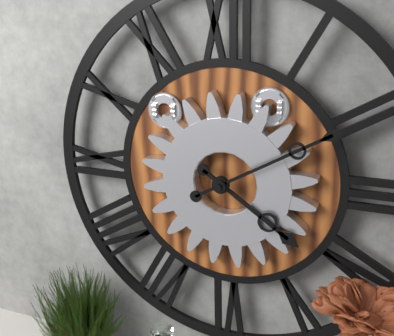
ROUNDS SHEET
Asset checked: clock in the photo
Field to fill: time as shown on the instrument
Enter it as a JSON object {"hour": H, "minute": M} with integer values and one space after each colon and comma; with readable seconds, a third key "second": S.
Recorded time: {"hour": 4, "minute": 10}
